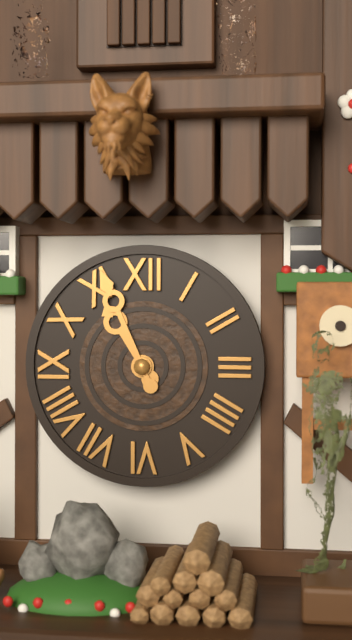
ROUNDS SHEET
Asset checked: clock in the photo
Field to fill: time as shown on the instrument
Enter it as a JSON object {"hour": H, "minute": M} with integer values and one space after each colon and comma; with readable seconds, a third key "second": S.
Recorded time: {"hour": 10, "minute": 56}
